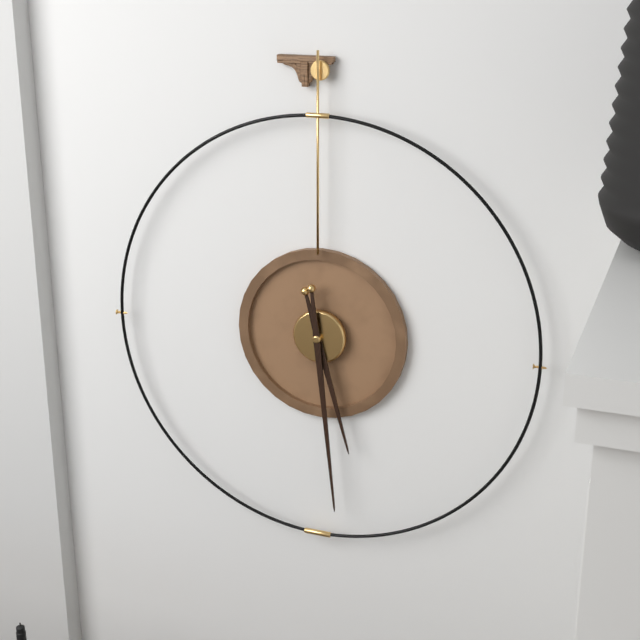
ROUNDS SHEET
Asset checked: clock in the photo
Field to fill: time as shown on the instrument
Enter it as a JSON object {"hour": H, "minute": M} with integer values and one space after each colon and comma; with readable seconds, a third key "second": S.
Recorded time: {"hour": 5, "minute": 29}
